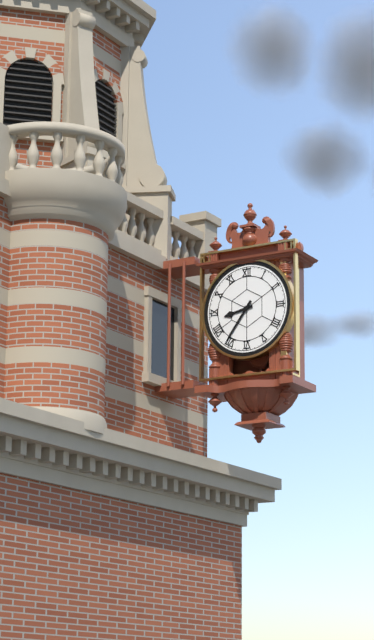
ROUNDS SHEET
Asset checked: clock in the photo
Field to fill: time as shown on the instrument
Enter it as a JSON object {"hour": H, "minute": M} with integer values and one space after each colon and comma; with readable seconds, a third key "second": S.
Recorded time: {"hour": 8, "minute": 36}
